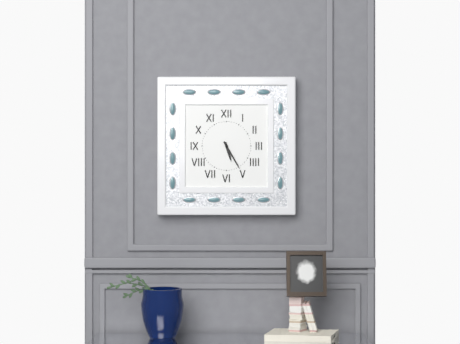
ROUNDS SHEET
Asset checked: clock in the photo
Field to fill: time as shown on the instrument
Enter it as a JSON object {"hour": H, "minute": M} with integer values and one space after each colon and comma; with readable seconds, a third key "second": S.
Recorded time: {"hour": 5, "minute": 25}
